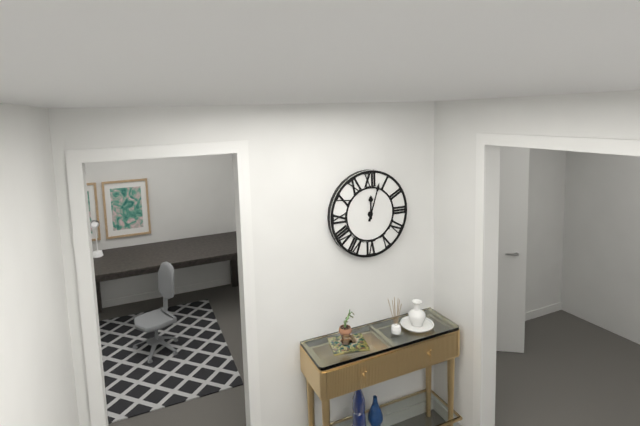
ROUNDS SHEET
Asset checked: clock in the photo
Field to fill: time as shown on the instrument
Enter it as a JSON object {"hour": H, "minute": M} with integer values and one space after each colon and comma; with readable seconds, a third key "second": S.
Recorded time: {"hour": 12, "minute": 3}
